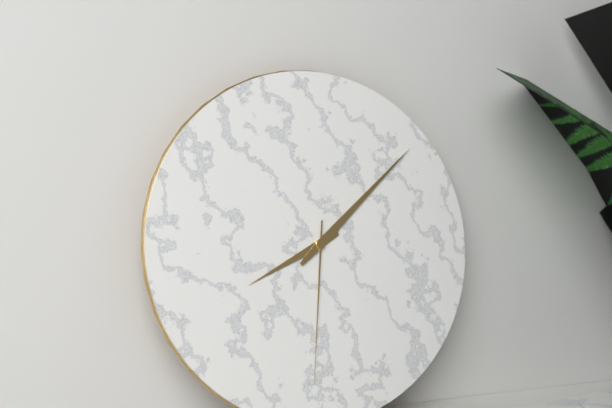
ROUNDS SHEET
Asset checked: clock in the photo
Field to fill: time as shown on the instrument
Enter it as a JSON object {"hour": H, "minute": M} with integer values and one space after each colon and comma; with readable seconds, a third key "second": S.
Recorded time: {"hour": 8, "minute": 8, "second": 31}
